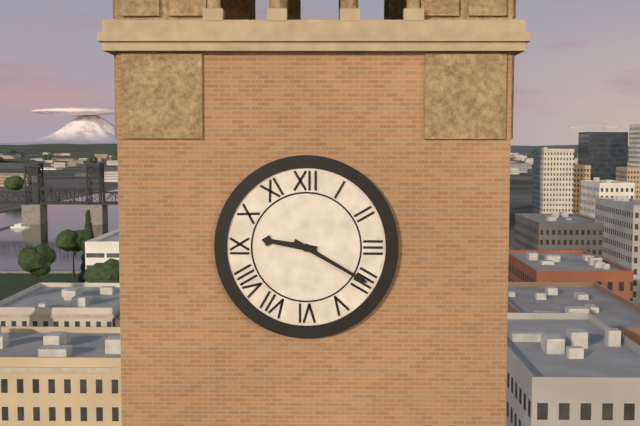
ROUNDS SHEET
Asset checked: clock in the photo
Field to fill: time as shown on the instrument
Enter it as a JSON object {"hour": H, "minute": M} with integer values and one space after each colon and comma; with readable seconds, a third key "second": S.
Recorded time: {"hour": 9, "minute": 20}
